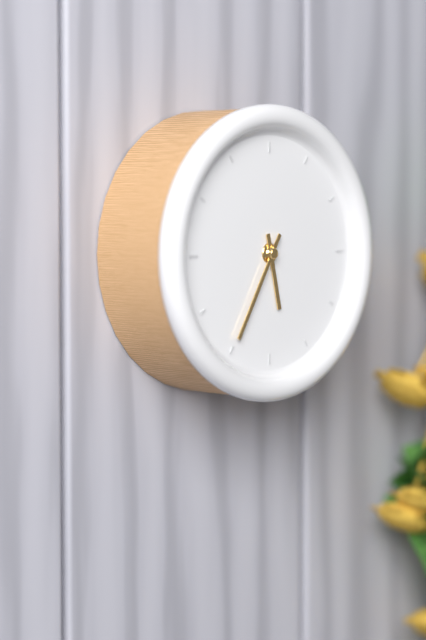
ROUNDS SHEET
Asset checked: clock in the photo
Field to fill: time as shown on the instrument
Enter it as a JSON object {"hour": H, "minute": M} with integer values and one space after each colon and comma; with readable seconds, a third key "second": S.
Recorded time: {"hour": 5, "minute": 35}
